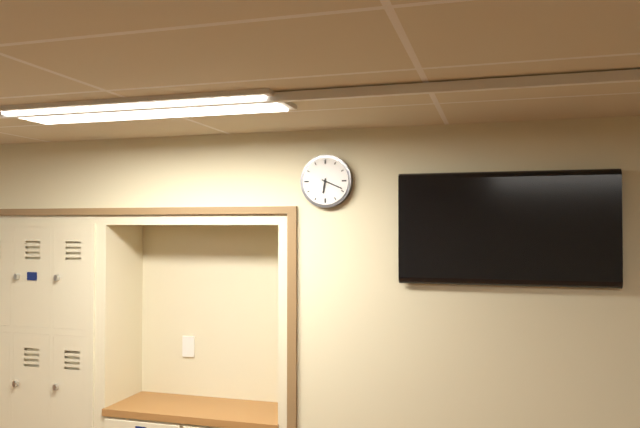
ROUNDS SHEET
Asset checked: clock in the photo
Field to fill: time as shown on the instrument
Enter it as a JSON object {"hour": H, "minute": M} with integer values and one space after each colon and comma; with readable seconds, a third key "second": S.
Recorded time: {"hour": 6, "minute": 19}
